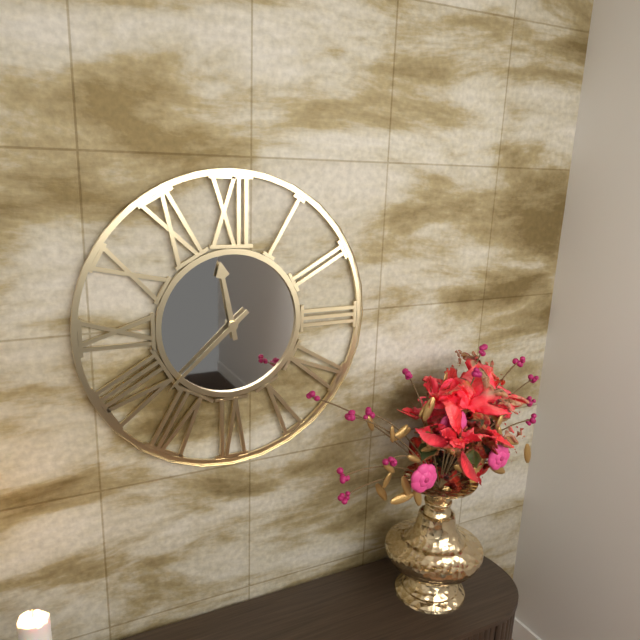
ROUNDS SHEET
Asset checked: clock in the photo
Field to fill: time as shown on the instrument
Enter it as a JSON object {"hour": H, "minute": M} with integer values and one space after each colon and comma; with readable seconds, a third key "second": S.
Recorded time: {"hour": 11, "minute": 38}
